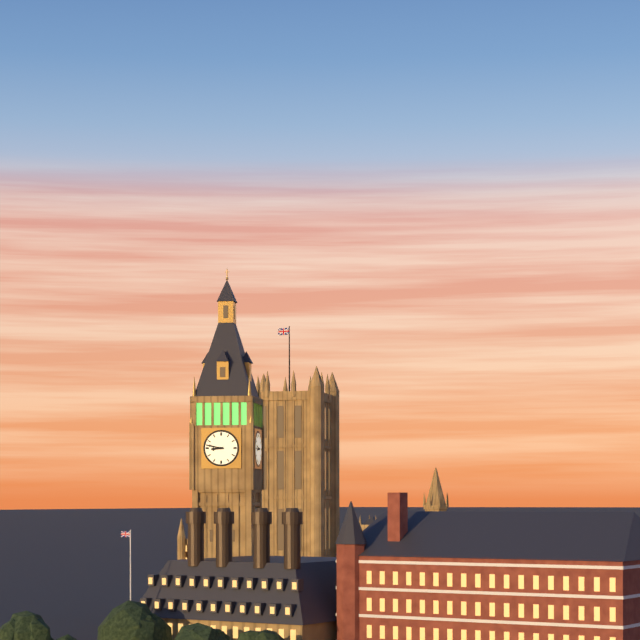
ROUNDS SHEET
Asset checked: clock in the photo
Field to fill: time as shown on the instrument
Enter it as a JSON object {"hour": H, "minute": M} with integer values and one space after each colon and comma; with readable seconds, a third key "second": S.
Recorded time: {"hour": 8, "minute": 47}
